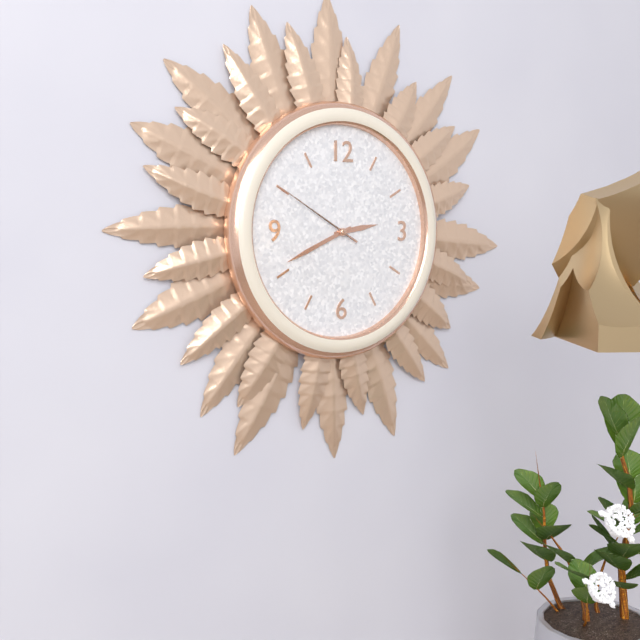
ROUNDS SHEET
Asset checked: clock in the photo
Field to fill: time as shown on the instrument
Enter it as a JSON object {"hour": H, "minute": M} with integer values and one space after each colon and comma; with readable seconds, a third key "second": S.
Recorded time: {"hour": 2, "minute": 41, "second": 50}
